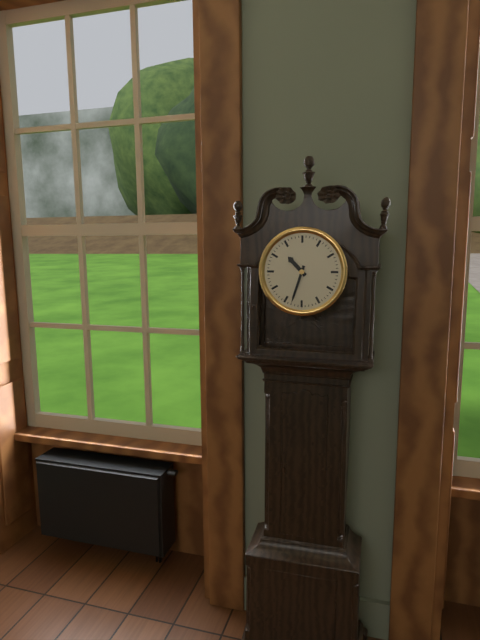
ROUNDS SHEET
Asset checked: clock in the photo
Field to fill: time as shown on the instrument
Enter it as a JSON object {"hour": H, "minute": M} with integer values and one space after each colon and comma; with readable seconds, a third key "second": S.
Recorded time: {"hour": 10, "minute": 33}
